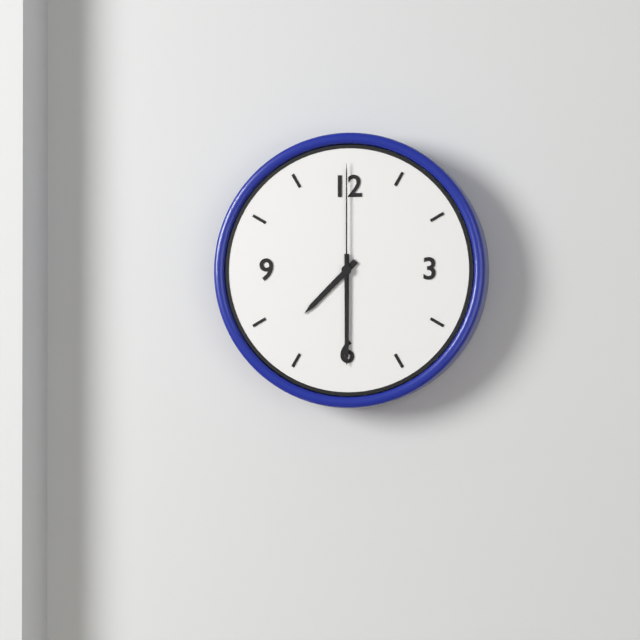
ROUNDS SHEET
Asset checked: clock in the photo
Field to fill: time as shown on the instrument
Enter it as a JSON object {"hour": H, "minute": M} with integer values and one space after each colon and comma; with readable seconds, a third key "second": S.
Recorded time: {"hour": 7, "minute": 30, "second": 0}
